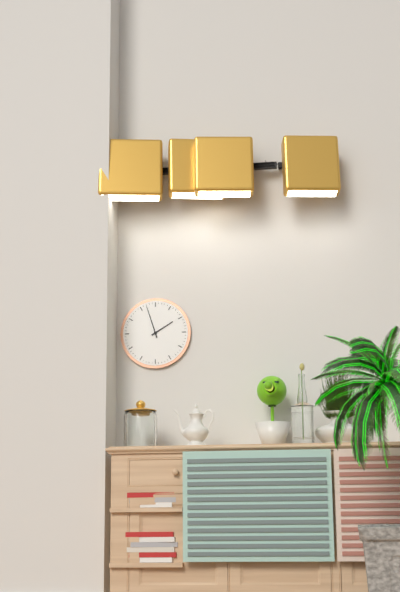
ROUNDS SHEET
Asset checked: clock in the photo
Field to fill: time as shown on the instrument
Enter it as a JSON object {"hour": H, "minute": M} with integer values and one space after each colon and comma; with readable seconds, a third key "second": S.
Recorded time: {"hour": 1, "minute": 57}
